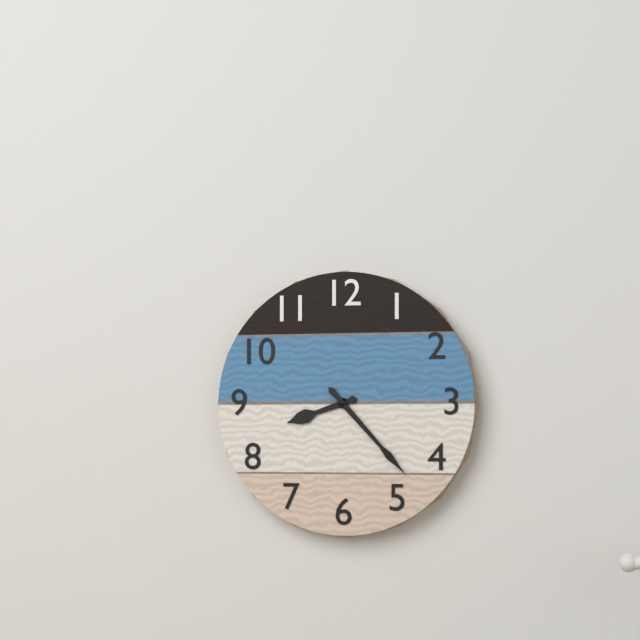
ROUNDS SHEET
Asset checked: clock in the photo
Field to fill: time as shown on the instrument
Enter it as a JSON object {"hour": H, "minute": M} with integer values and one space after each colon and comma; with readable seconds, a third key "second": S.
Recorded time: {"hour": 8, "minute": 23}
